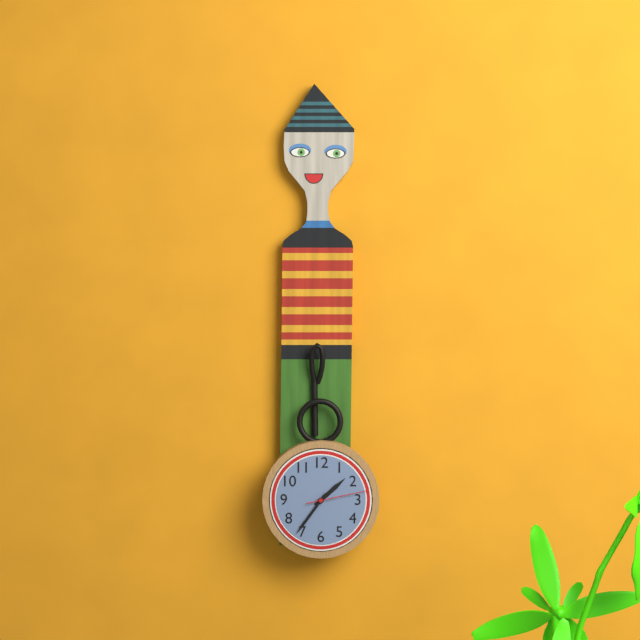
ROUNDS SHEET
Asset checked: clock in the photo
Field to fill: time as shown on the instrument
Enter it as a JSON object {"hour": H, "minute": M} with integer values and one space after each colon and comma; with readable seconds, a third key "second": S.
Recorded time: {"hour": 1, "minute": 36, "second": 13}
